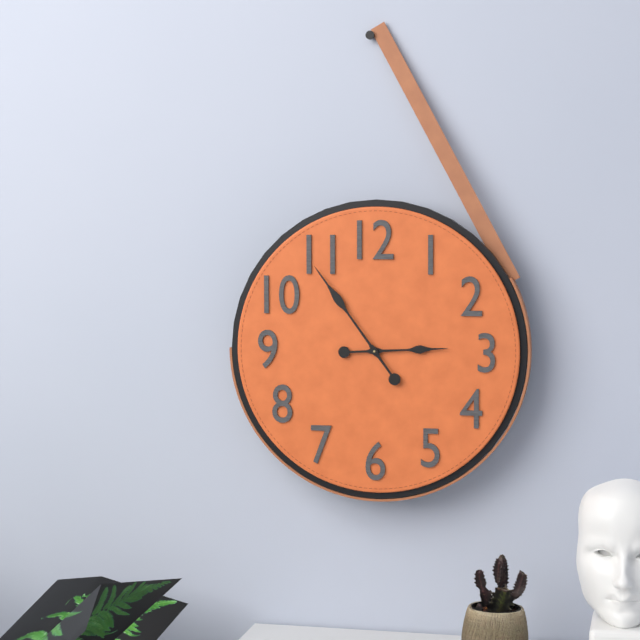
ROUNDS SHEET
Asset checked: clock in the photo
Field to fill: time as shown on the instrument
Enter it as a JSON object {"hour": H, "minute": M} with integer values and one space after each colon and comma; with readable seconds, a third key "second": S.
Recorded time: {"hour": 2, "minute": 54}
